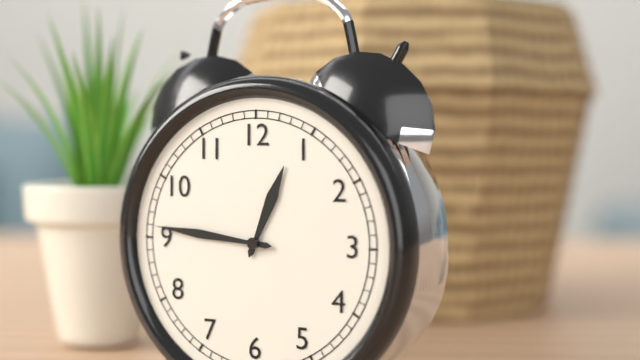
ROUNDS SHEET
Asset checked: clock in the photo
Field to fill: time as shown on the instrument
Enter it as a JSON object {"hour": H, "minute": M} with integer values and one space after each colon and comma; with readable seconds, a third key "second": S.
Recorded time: {"hour": 12, "minute": 46}
